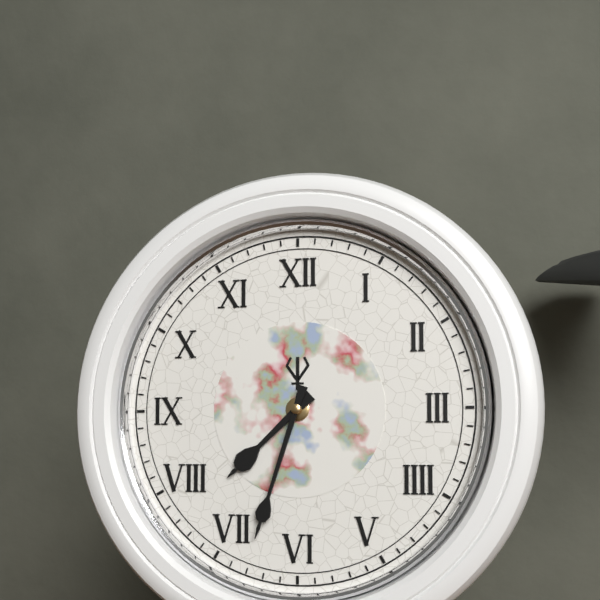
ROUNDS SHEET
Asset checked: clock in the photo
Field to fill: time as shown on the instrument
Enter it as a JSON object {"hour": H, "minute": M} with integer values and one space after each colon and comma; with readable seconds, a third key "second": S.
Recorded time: {"hour": 7, "minute": 33}
